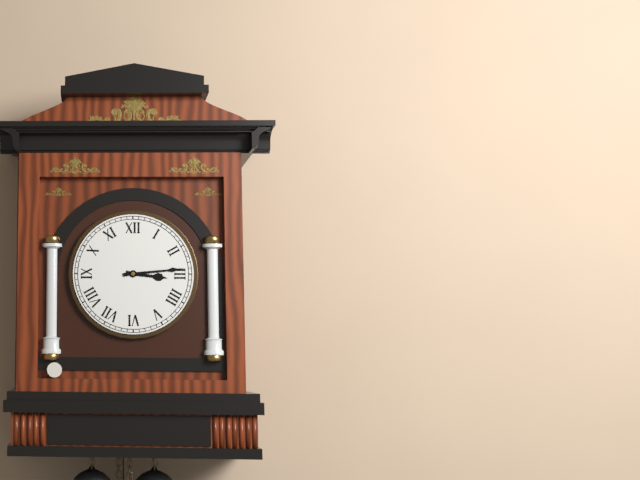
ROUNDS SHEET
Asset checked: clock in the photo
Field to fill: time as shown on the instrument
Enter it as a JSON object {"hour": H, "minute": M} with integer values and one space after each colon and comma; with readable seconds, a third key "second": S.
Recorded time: {"hour": 3, "minute": 14}
